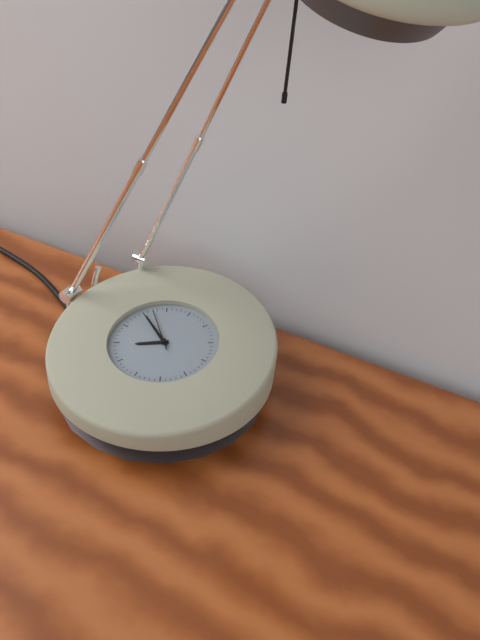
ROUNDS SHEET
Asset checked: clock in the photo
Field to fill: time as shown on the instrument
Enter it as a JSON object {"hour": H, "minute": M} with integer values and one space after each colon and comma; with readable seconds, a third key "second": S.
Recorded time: {"hour": 7, "minute": 50}
